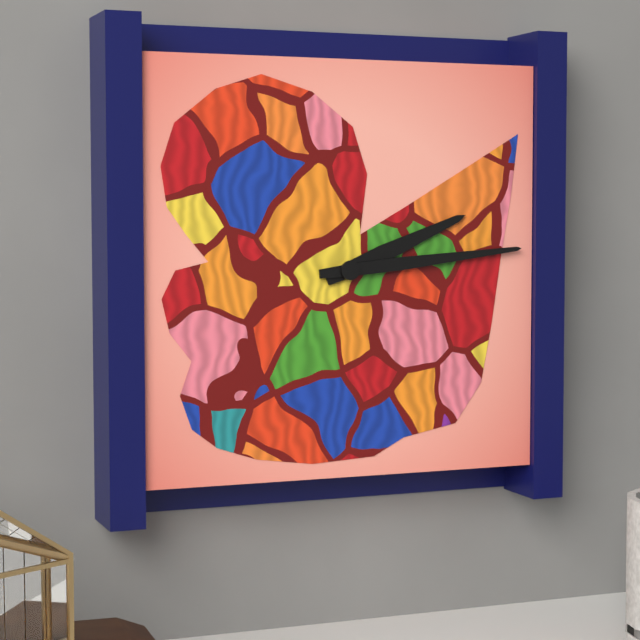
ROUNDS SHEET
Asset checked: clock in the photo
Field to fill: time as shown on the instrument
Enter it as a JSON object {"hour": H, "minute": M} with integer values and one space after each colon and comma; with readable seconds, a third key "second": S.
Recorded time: {"hour": 2, "minute": 14}
